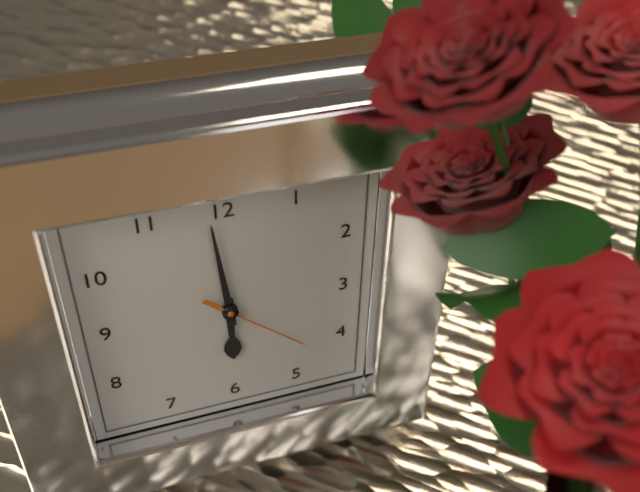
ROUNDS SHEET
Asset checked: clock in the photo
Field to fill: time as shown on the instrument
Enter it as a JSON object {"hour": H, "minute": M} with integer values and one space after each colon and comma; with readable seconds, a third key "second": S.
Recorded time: {"hour": 5, "minute": 59, "second": 22}
